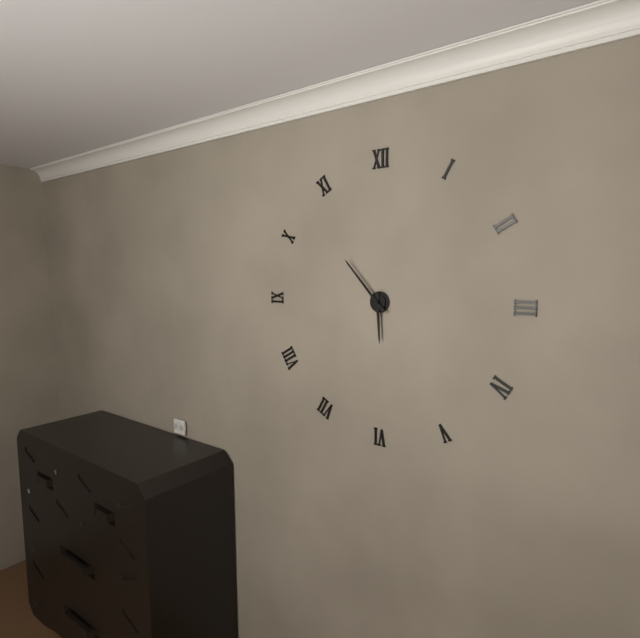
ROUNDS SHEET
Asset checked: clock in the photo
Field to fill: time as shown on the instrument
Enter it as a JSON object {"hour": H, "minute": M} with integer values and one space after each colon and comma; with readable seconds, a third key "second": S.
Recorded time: {"hour": 5, "minute": 53}
